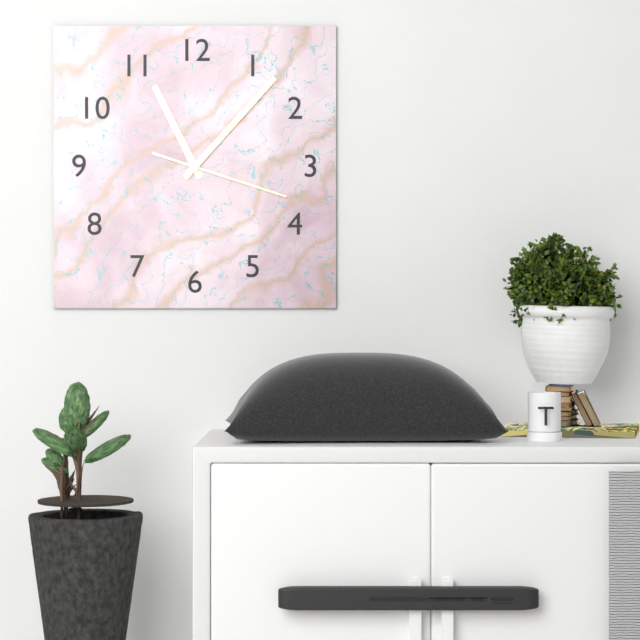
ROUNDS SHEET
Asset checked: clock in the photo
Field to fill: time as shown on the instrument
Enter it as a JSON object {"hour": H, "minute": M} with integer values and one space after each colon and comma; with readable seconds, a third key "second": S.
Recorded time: {"hour": 11, "minute": 7, "second": 18}
